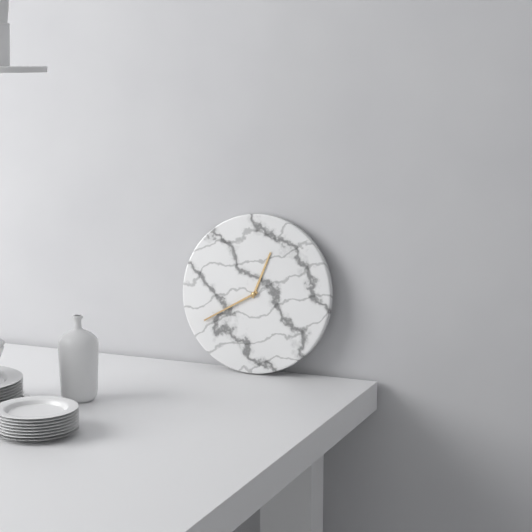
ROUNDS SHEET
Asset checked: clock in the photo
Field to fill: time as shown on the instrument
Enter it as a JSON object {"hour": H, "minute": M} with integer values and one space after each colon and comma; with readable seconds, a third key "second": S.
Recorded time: {"hour": 12, "minute": 40}
